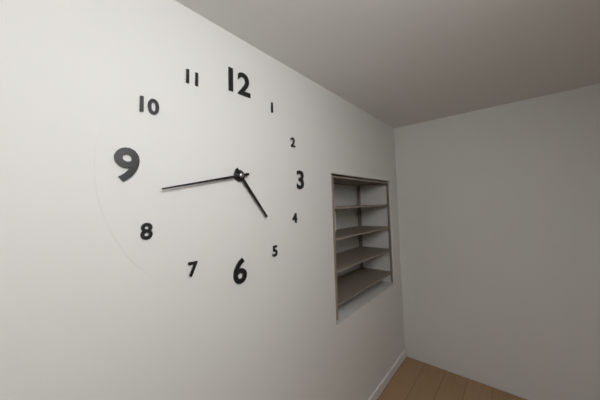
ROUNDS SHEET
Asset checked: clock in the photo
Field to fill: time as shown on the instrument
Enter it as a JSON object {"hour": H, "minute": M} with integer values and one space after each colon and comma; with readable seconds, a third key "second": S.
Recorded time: {"hour": 4, "minute": 43}
